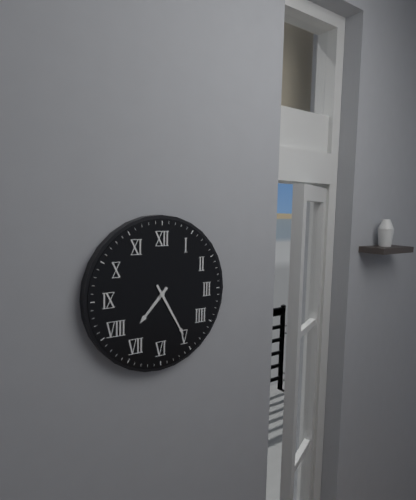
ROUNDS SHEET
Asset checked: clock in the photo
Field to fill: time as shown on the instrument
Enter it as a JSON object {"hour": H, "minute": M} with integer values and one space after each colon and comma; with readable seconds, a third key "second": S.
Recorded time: {"hour": 7, "minute": 25}
